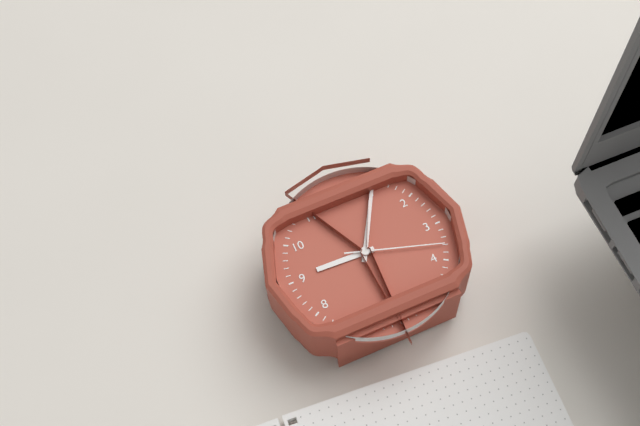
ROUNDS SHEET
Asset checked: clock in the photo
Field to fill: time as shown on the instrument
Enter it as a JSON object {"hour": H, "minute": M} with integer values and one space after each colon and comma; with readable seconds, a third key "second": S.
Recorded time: {"hour": 9, "minute": 5, "second": 18}
